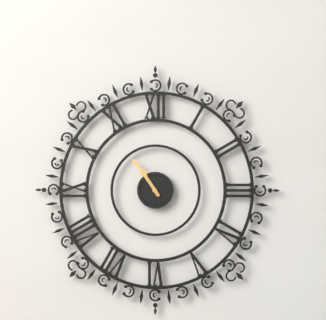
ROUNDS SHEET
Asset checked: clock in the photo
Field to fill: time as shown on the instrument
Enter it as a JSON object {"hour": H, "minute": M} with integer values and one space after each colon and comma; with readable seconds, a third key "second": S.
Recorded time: {"hour": 10, "minute": 54}
